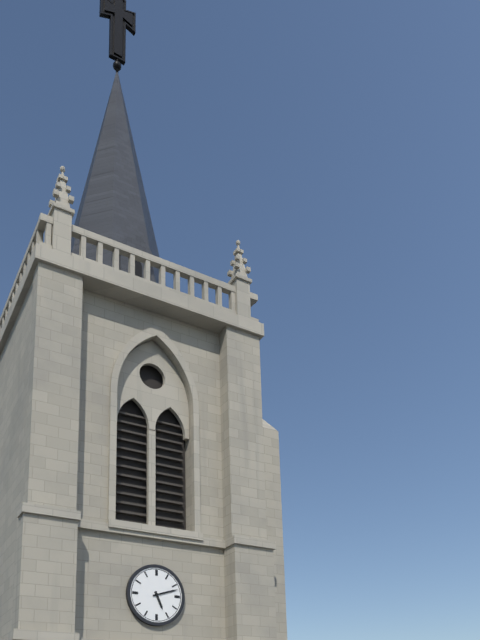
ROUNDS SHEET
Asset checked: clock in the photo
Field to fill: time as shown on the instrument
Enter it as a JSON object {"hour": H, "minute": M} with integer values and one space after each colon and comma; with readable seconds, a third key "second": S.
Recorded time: {"hour": 5, "minute": 12}
